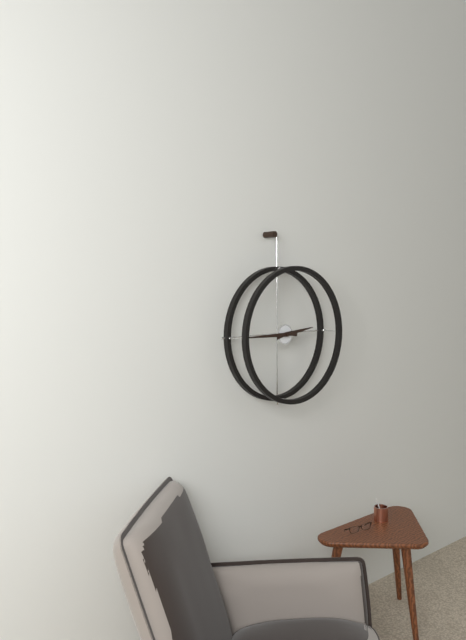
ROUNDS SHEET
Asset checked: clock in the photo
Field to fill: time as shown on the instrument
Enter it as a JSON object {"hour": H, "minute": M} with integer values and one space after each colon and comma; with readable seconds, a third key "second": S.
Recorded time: {"hour": 2, "minute": 45}
